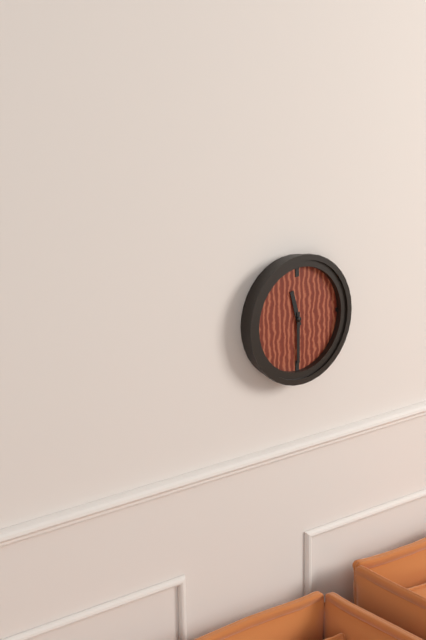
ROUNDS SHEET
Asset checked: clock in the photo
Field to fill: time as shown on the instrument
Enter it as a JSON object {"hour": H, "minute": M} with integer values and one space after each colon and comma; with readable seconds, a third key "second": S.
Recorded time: {"hour": 11, "minute": 30}
